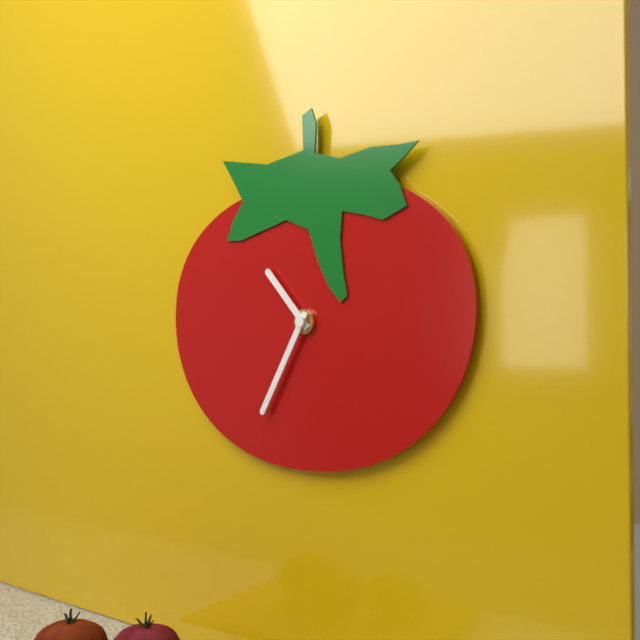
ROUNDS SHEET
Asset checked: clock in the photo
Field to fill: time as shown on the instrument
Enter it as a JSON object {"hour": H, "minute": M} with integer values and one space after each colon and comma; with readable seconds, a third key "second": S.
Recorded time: {"hour": 10, "minute": 35}
